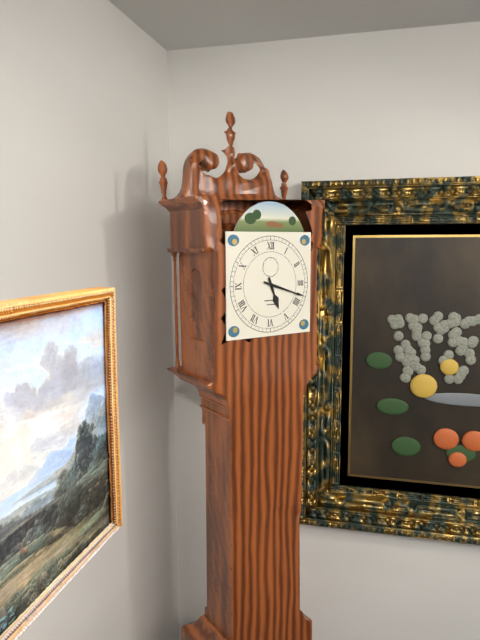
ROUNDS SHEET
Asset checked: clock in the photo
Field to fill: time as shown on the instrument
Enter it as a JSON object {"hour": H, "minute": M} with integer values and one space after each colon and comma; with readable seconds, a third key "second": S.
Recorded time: {"hour": 5, "minute": 18}
